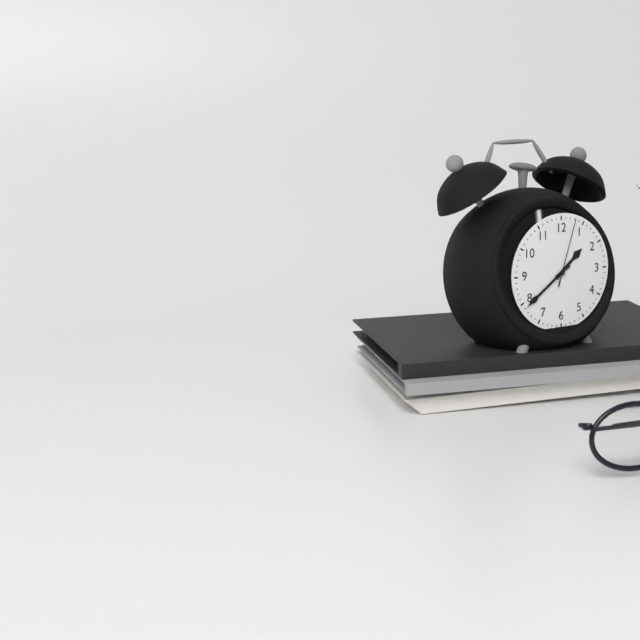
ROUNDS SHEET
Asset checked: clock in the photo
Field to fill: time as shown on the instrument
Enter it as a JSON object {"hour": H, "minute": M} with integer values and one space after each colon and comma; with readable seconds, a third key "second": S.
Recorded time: {"hour": 1, "minute": 39, "second": 3}
